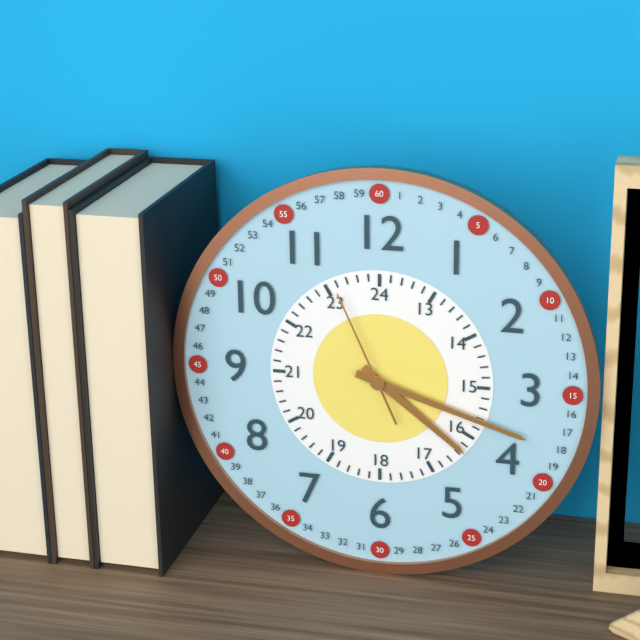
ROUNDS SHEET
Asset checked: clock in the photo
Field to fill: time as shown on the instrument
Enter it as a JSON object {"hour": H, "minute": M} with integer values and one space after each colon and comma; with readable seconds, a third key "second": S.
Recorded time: {"hour": 4, "minute": 18, "second": 56}
